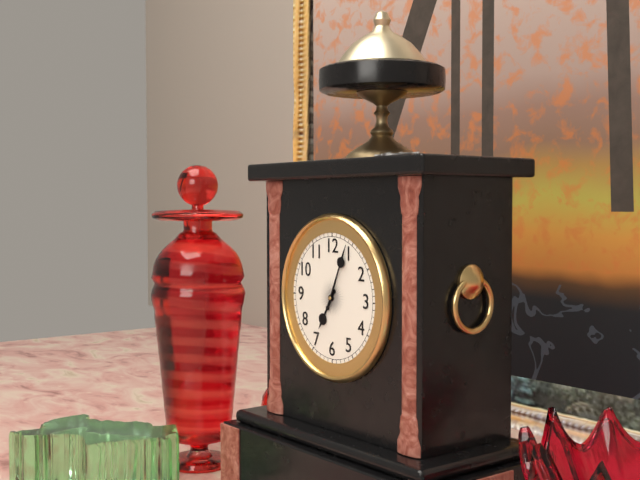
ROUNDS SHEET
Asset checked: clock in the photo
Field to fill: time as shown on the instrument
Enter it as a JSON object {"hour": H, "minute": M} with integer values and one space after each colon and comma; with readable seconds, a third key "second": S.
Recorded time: {"hour": 7, "minute": 4}
